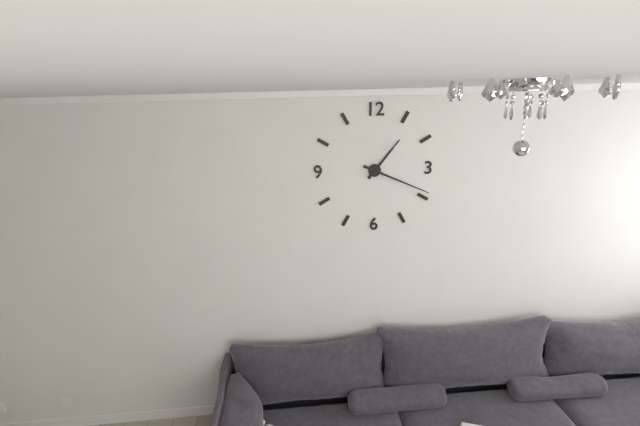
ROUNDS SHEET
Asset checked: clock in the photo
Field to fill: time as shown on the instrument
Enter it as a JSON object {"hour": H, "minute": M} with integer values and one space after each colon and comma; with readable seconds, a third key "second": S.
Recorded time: {"hour": 1, "minute": 19}
